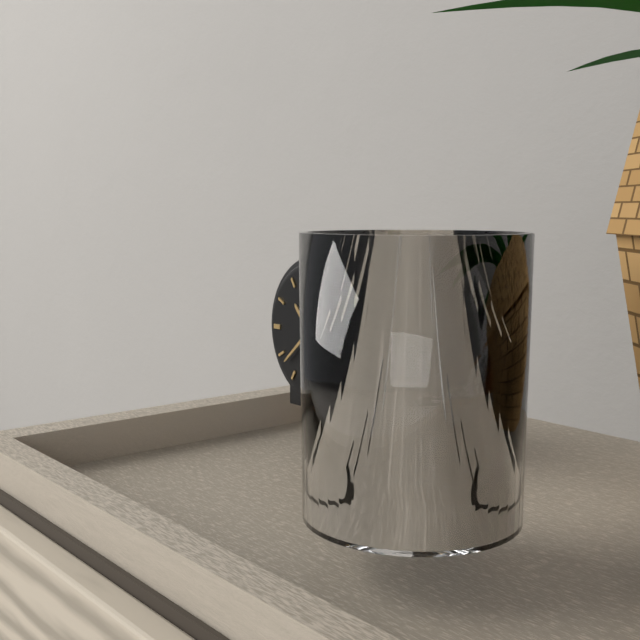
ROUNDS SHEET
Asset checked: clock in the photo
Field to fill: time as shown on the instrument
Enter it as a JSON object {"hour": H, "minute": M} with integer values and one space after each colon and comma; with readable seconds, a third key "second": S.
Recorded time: {"hour": 10, "minute": 38}
